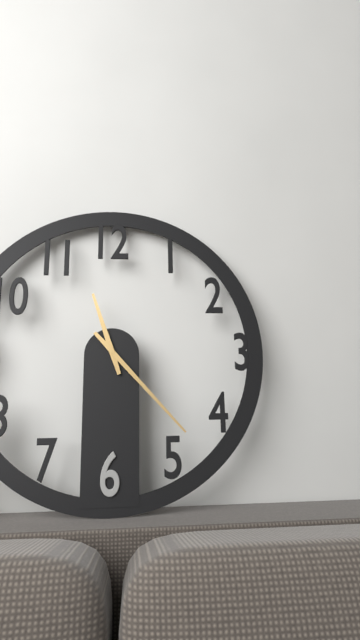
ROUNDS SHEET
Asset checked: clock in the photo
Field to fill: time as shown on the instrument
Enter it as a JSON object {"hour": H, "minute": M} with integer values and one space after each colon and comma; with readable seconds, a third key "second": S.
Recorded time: {"hour": 11, "minute": 23}
